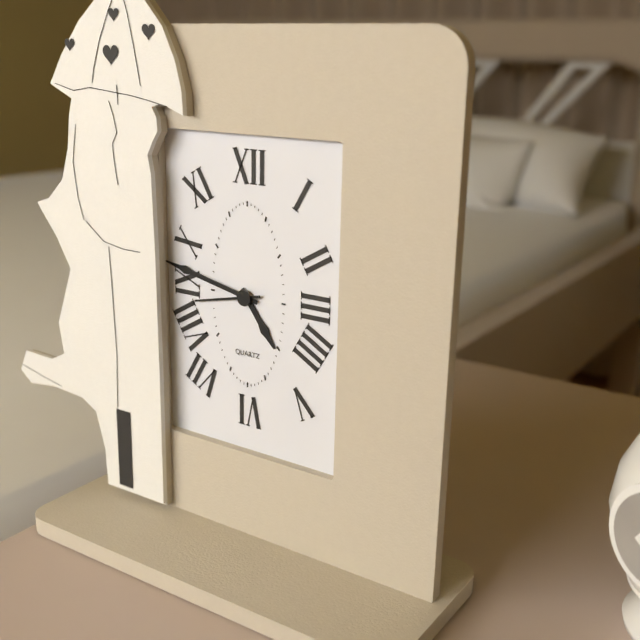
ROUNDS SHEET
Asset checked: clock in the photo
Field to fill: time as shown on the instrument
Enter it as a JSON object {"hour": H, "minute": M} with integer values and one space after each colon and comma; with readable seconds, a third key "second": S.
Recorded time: {"hour": 4, "minute": 47, "second": 43}
